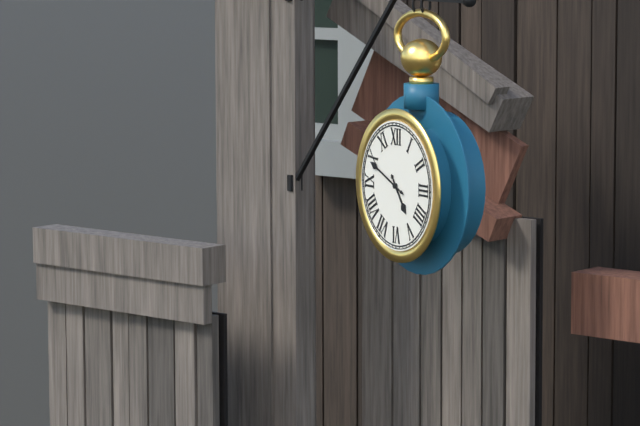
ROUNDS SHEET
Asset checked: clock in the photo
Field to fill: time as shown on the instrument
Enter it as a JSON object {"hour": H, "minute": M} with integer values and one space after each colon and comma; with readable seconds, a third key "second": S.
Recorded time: {"hour": 4, "minute": 49}
